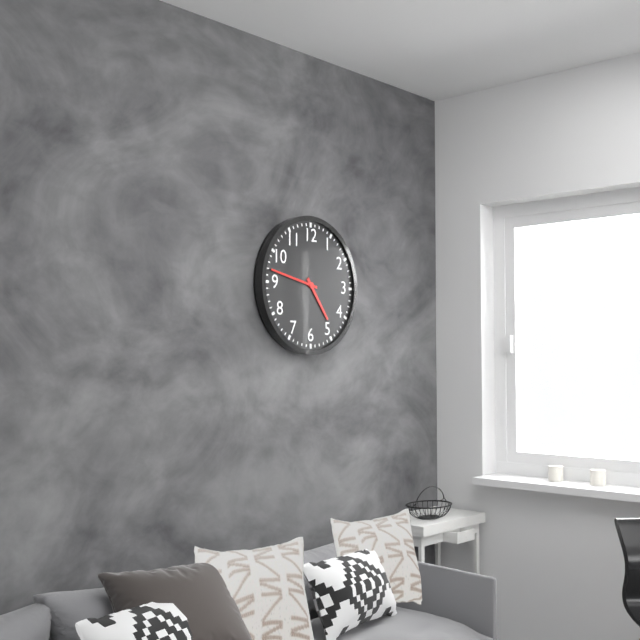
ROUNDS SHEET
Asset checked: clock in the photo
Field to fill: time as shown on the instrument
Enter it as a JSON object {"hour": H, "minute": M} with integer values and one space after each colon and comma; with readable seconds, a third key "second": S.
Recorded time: {"hour": 4, "minute": 47}
